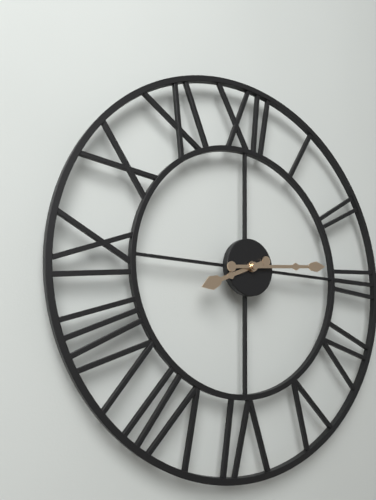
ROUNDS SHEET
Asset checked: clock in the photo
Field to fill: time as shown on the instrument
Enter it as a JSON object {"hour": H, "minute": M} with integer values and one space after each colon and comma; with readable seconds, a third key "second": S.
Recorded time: {"hour": 8, "minute": 14}
